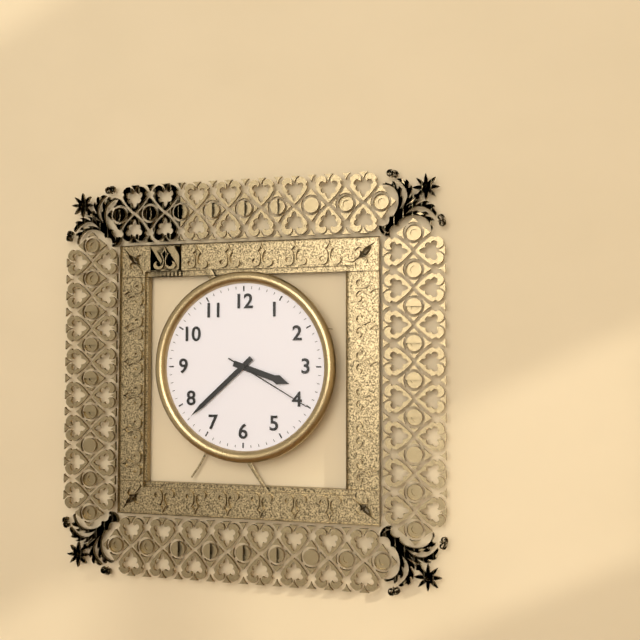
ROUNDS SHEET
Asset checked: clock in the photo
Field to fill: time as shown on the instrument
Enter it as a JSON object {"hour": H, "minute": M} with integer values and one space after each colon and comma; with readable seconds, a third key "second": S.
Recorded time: {"hour": 3, "minute": 38, "second": 20}
